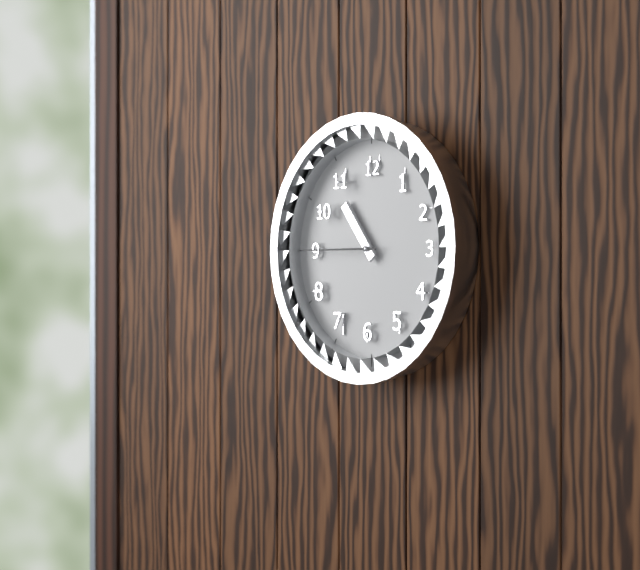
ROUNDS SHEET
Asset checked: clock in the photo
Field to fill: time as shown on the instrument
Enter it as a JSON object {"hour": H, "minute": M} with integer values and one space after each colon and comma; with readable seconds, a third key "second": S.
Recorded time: {"hour": 10, "minute": 45}
